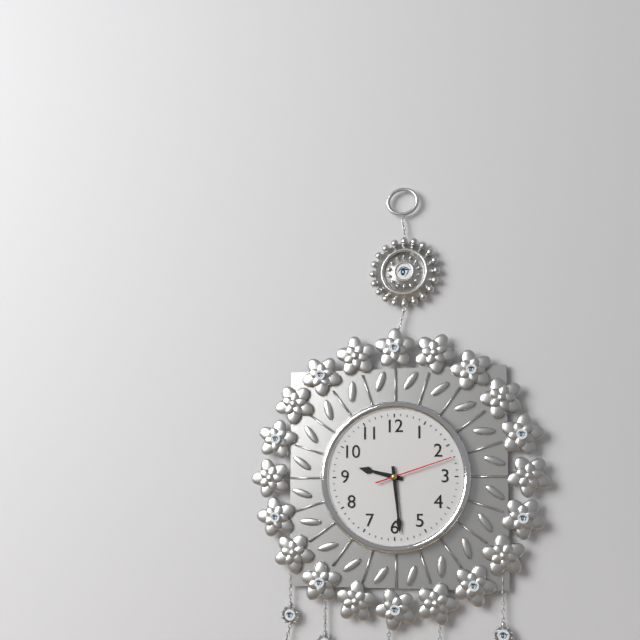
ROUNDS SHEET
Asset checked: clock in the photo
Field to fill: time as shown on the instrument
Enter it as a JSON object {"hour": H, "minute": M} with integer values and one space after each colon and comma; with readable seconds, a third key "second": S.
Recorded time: {"hour": 9, "minute": 29, "second": 12}
